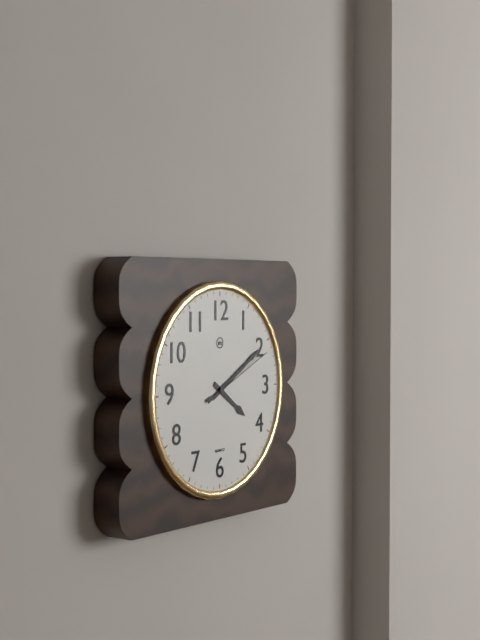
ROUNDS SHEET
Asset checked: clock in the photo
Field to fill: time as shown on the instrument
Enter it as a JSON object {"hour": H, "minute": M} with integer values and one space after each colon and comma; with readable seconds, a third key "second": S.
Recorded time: {"hour": 4, "minute": 10, "second": 11}
